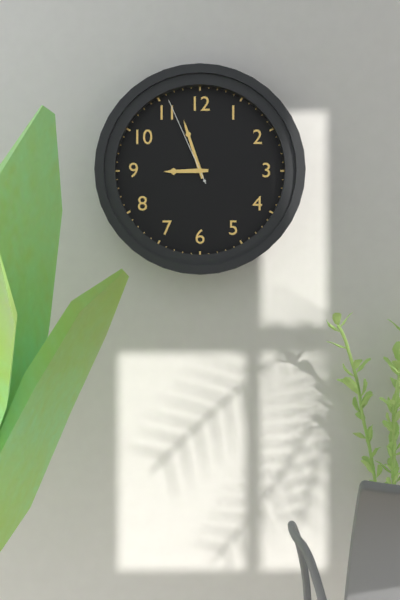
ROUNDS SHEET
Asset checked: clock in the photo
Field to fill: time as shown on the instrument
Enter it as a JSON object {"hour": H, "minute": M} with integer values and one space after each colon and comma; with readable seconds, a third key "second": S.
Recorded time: {"hour": 8, "minute": 57, "second": 56}
